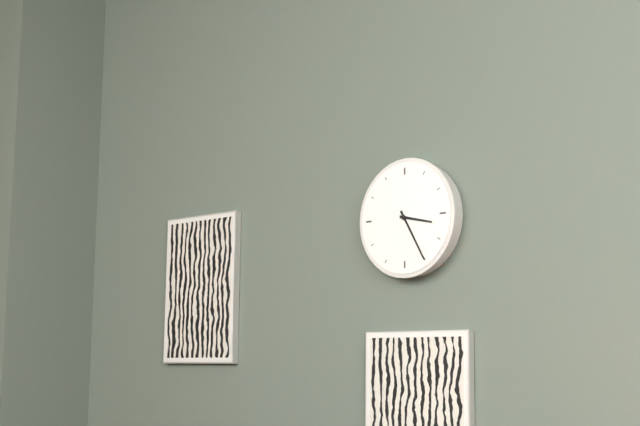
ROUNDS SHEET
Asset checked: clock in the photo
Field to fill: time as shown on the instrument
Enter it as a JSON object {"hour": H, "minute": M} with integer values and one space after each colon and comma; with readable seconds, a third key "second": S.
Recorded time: {"hour": 3, "minute": 25}
